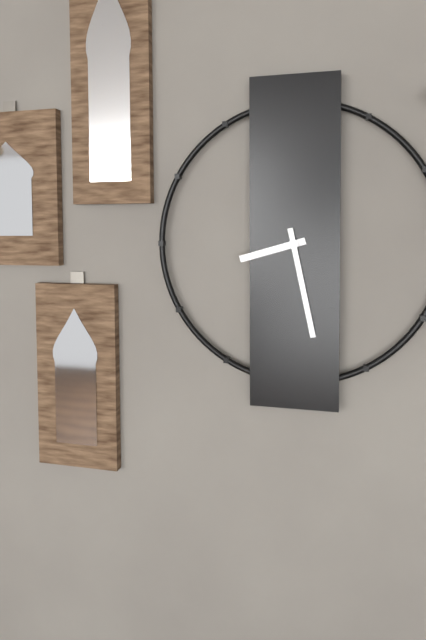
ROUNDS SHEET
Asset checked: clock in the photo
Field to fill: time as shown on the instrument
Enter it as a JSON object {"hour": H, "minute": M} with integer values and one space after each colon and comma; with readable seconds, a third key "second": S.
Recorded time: {"hour": 8, "minute": 28}
